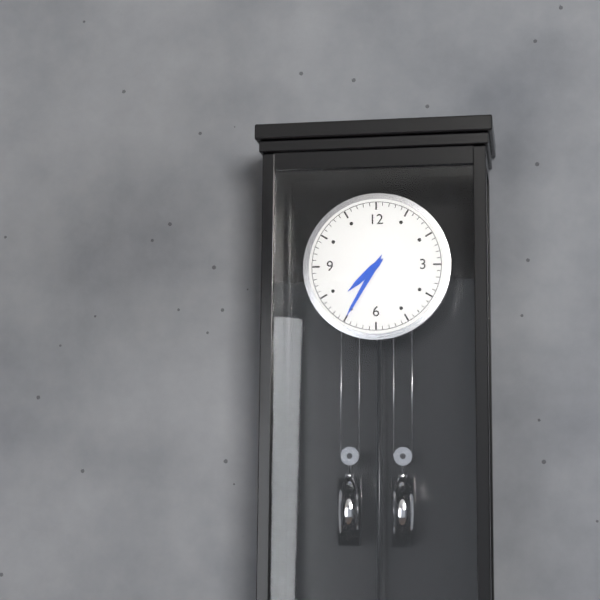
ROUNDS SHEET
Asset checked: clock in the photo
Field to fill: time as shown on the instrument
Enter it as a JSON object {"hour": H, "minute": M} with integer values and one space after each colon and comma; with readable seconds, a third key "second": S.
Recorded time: {"hour": 7, "minute": 35}
